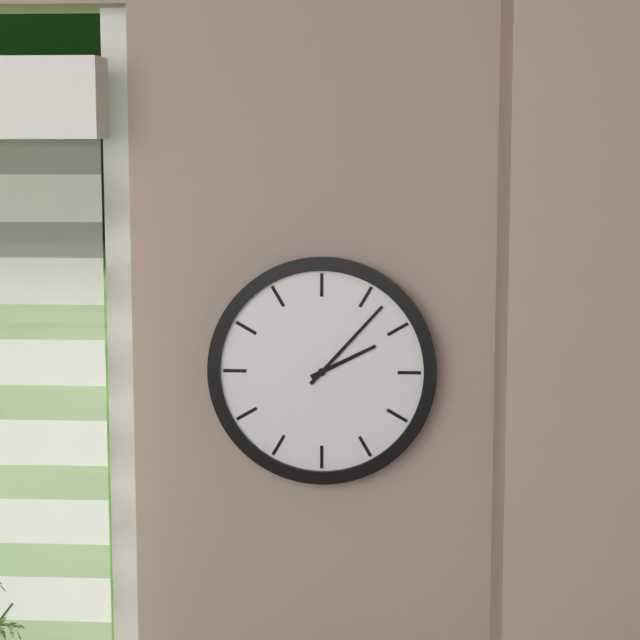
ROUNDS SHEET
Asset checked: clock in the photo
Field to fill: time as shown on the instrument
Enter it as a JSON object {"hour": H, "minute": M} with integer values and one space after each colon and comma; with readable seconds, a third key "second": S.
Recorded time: {"hour": 2, "minute": 7}
